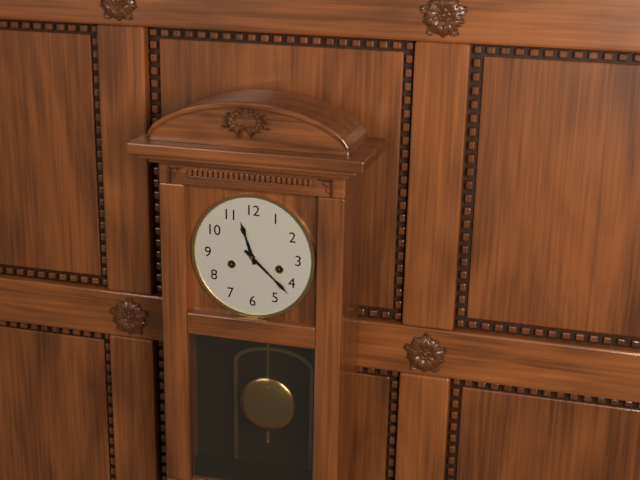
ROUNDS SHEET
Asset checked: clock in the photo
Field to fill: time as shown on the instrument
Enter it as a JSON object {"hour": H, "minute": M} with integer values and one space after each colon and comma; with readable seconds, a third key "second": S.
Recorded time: {"hour": 11, "minute": 22}
